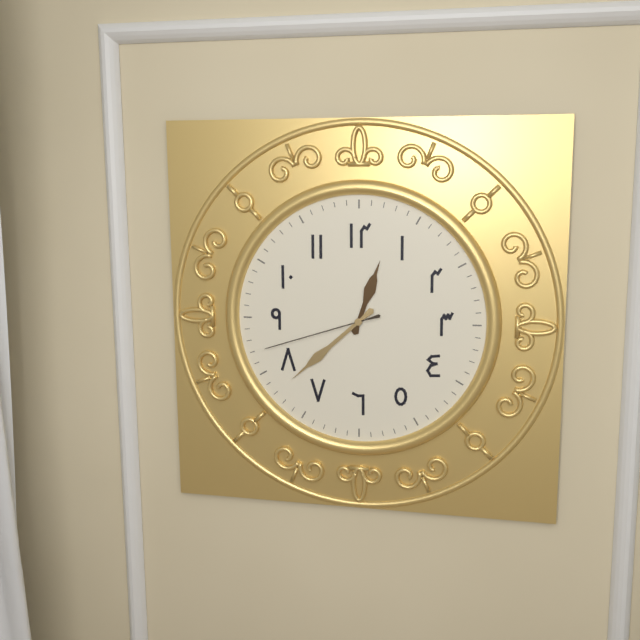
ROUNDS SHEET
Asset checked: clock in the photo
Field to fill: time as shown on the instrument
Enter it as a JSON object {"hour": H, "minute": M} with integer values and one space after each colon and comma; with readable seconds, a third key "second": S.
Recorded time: {"hour": 12, "minute": 38, "second": 42}
